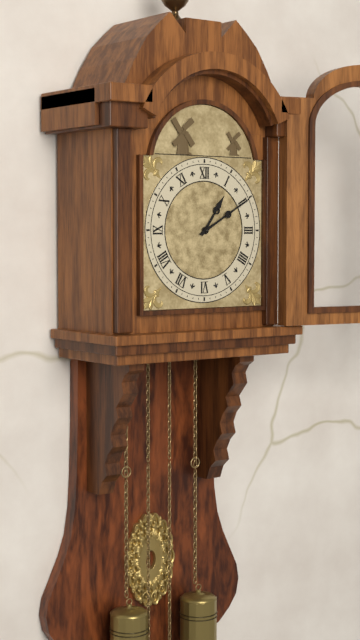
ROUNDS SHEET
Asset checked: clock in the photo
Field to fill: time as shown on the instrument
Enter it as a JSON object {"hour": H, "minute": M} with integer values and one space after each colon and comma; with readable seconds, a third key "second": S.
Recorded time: {"hour": 1, "minute": 10}
